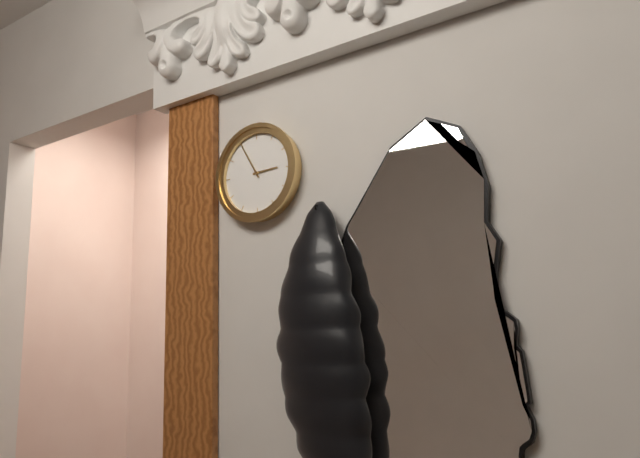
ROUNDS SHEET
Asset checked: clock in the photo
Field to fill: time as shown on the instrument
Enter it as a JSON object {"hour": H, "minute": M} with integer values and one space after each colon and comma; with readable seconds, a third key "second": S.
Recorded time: {"hour": 2, "minute": 55}
